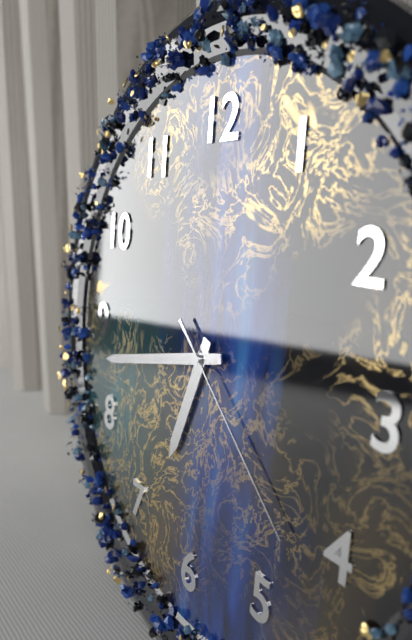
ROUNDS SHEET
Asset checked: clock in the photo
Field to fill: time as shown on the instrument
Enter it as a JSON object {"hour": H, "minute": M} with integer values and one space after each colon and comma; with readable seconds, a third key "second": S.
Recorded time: {"hour": 6, "minute": 43, "second": 22}
